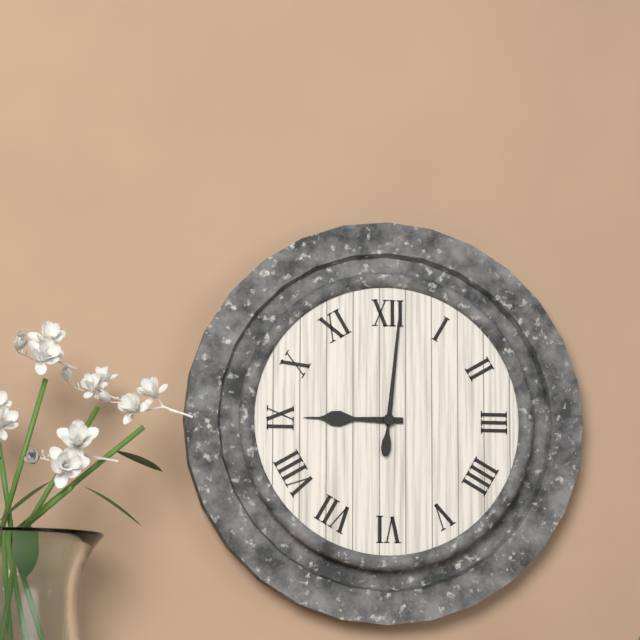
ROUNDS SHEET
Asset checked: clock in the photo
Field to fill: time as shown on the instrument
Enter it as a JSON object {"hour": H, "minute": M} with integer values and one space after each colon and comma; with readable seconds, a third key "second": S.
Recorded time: {"hour": 9, "minute": 1}
